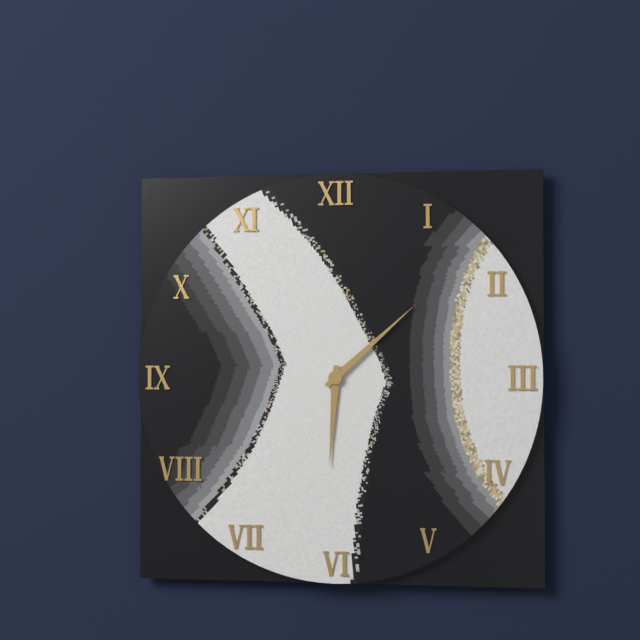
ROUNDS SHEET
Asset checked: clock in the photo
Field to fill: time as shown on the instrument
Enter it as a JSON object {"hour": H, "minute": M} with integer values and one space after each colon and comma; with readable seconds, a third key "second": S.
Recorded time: {"hour": 6, "minute": 8}
